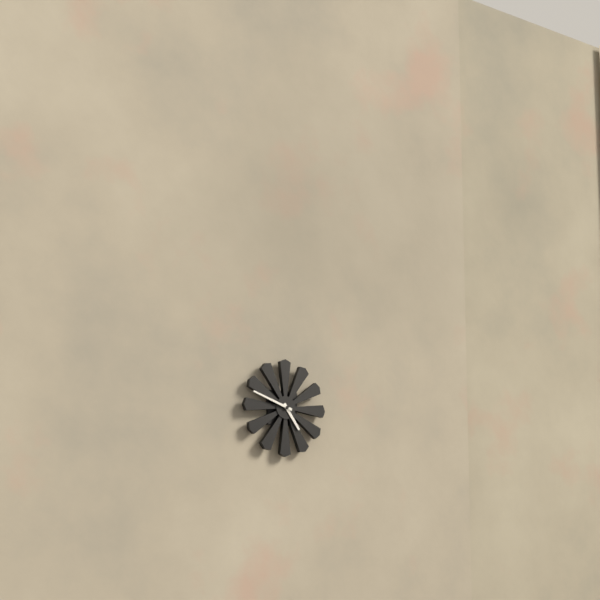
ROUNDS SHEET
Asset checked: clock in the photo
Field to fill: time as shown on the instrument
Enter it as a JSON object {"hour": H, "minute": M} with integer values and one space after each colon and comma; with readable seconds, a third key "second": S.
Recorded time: {"hour": 4, "minute": 48}
